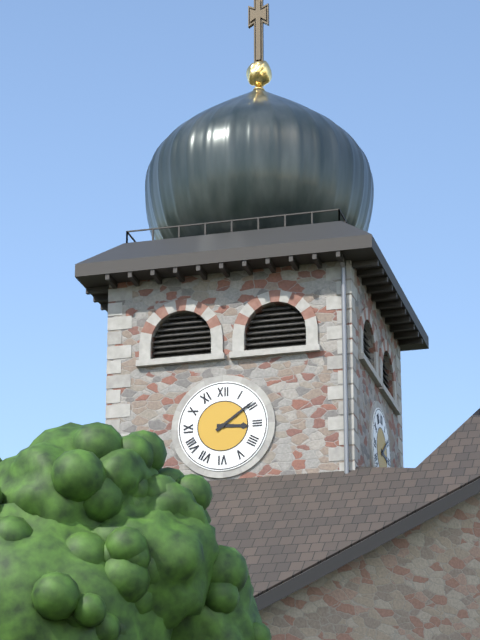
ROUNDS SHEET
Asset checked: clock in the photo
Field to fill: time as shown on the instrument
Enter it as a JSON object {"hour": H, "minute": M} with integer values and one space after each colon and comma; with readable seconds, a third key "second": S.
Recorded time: {"hour": 3, "minute": 9}
